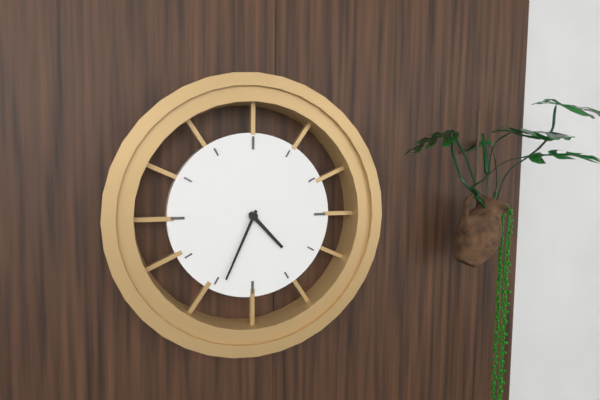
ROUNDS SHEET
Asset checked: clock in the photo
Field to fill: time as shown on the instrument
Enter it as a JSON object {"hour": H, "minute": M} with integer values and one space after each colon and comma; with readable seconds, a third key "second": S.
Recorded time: {"hour": 4, "minute": 34}
